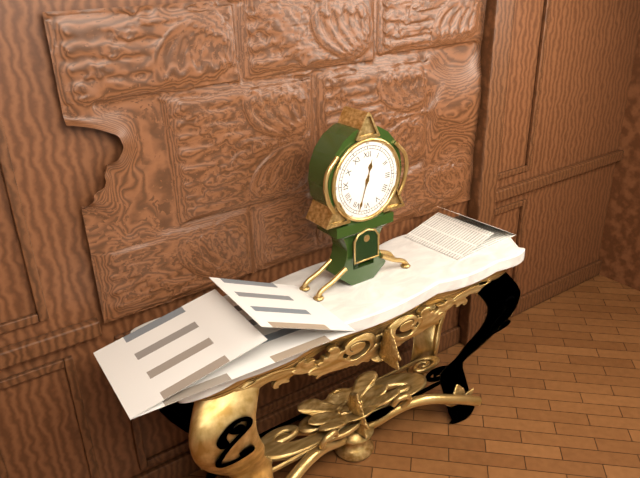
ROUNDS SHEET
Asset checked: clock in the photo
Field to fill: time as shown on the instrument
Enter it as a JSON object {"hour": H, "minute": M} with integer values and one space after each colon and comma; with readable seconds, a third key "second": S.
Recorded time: {"hour": 12, "minute": 33}
